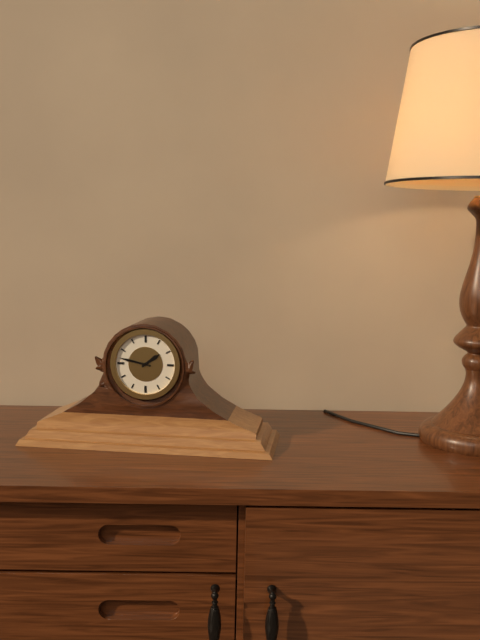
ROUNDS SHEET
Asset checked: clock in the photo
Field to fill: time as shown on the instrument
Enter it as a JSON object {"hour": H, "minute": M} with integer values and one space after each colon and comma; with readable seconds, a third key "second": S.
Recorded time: {"hour": 1, "minute": 47}
